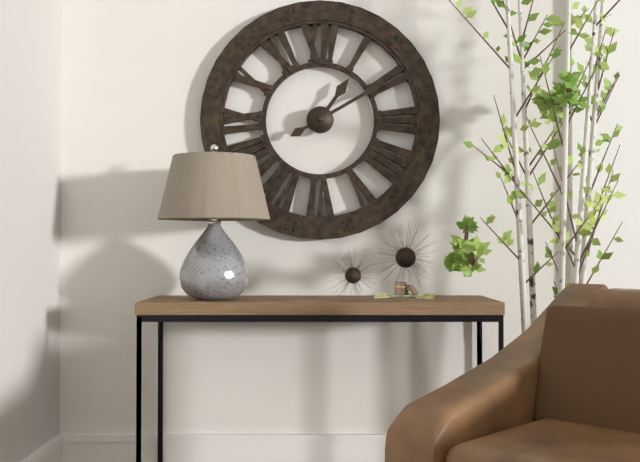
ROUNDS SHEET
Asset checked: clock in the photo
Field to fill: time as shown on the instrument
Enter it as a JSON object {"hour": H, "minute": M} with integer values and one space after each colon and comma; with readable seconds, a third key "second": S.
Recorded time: {"hour": 1, "minute": 10}
